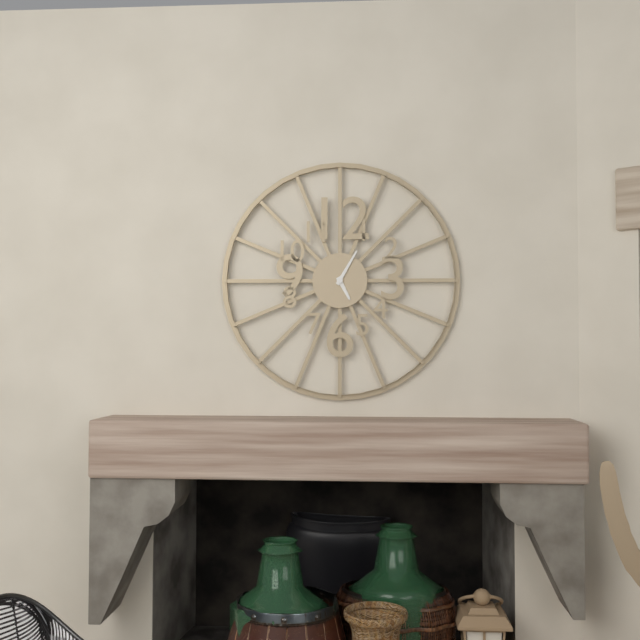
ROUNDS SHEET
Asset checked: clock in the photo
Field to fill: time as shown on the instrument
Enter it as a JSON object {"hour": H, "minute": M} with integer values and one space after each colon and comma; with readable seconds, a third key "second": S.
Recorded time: {"hour": 5, "minute": 5}
